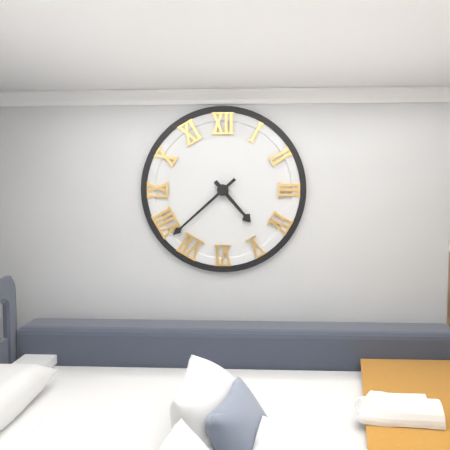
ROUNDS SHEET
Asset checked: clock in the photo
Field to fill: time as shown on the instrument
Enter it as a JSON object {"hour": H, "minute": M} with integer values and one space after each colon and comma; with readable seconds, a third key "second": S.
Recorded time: {"hour": 4, "minute": 38}
